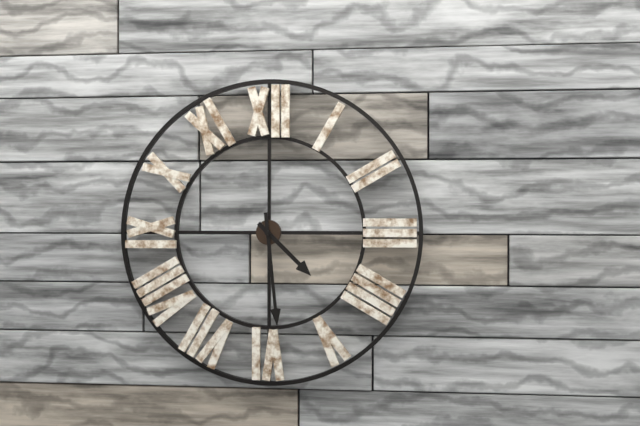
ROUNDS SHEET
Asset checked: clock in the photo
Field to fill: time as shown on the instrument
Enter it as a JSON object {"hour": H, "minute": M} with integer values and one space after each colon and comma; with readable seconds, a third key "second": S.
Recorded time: {"hour": 4, "minute": 29}
